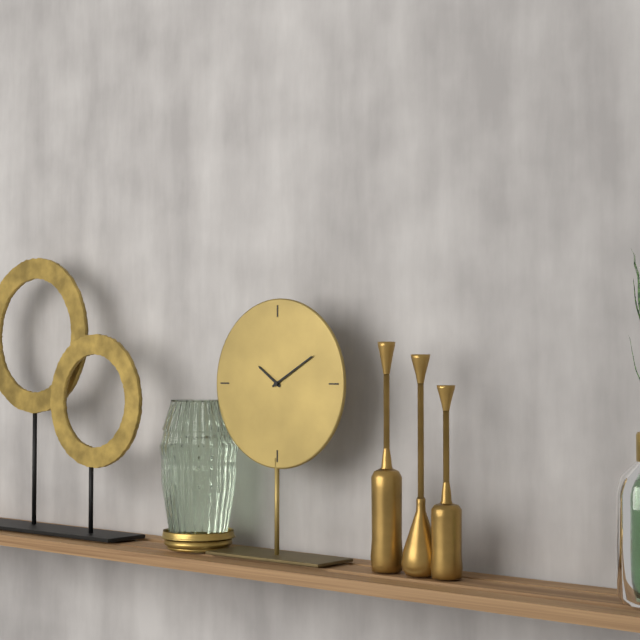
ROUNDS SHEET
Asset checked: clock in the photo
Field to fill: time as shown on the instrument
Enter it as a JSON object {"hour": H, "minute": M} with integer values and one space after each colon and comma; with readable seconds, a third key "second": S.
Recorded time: {"hour": 10, "minute": 10}
